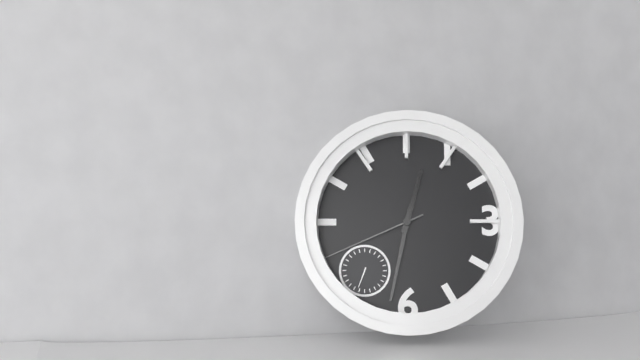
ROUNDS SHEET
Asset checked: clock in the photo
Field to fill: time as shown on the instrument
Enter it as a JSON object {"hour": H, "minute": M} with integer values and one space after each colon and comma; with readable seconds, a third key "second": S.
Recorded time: {"hour": 12, "minute": 32, "second": 41}
